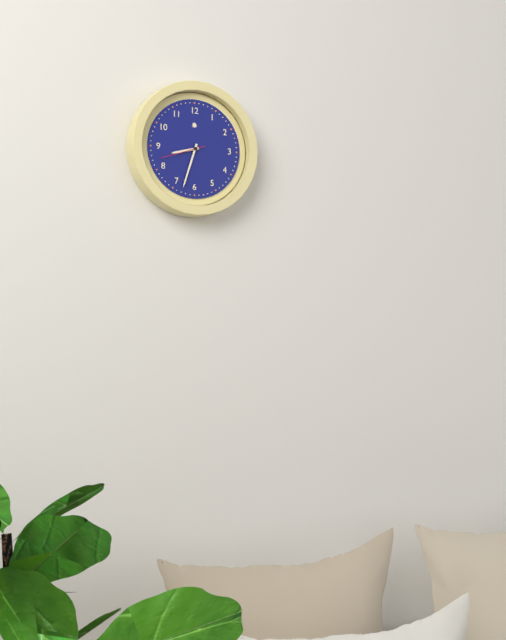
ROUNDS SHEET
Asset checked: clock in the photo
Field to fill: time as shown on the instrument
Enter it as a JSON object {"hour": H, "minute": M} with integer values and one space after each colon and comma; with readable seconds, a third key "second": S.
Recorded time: {"hour": 8, "minute": 33}
